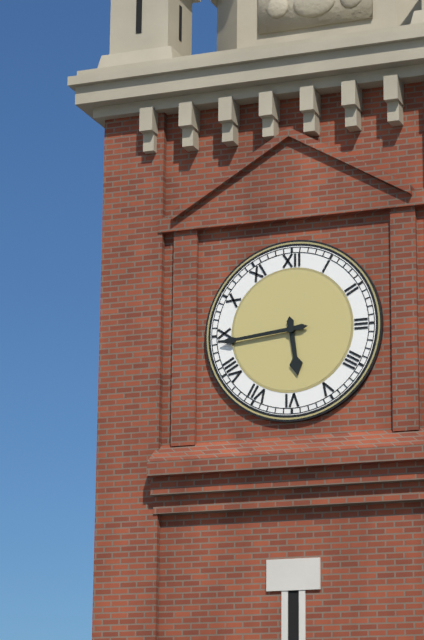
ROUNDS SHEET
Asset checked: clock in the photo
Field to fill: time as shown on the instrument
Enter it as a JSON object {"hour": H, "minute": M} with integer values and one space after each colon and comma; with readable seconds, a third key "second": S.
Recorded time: {"hour": 5, "minute": 44}
